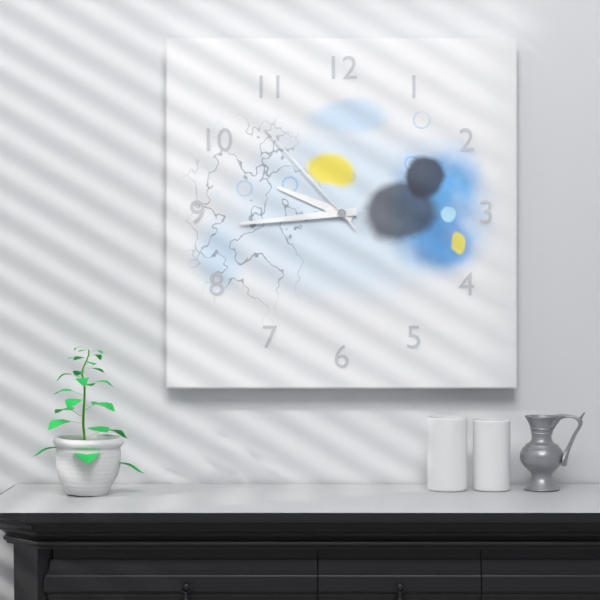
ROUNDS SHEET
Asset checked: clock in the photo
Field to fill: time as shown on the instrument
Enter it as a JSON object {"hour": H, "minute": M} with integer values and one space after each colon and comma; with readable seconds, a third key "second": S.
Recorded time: {"hour": 9, "minute": 44, "second": 53}
